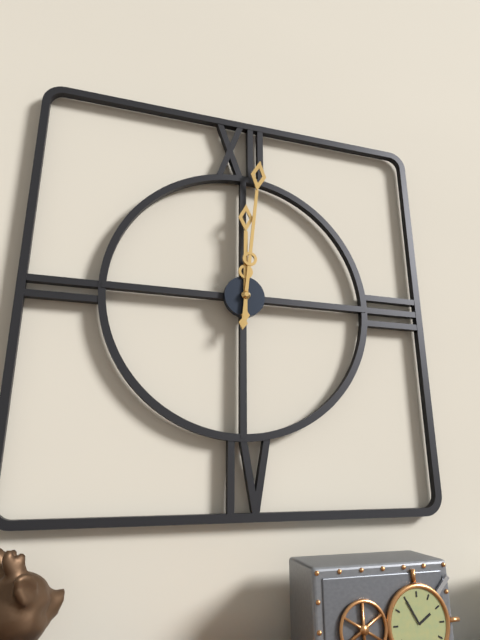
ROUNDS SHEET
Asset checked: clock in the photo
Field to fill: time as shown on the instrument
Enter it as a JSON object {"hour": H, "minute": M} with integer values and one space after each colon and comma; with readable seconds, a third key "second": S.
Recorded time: {"hour": 12, "minute": 1}
